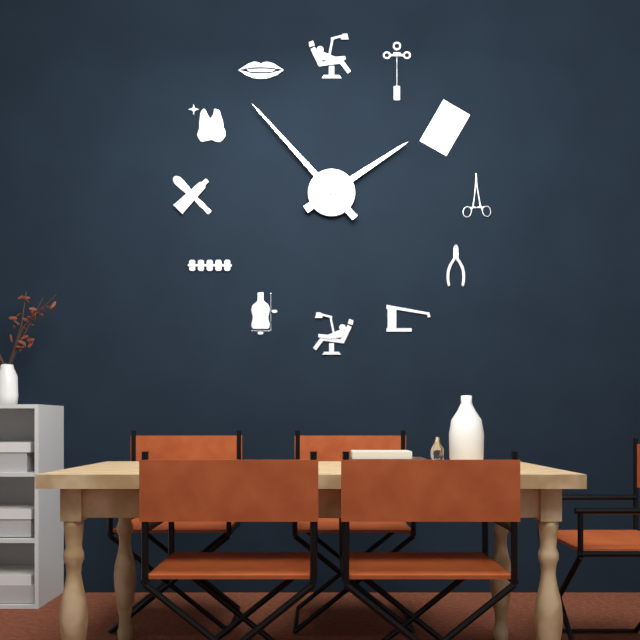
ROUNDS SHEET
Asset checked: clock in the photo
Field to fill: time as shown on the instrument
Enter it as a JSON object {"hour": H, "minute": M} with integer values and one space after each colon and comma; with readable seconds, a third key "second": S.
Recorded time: {"hour": 1, "minute": 53}
